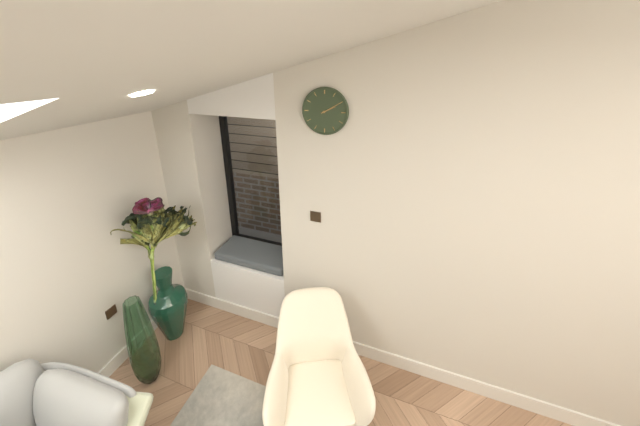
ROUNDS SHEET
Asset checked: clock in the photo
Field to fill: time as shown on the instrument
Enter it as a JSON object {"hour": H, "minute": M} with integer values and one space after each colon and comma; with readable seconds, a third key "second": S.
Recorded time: {"hour": 2, "minute": 10}
